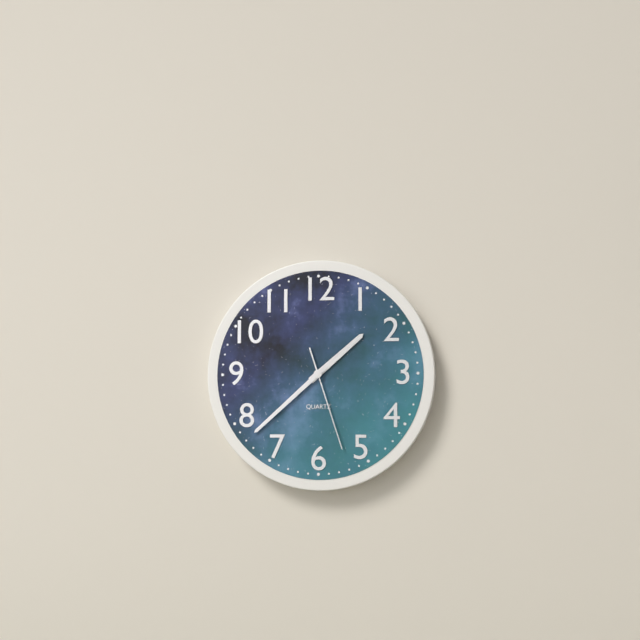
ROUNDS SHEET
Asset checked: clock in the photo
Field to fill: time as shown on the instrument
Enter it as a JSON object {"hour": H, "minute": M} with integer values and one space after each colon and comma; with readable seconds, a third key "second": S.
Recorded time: {"hour": 1, "minute": 38, "second": 27}
